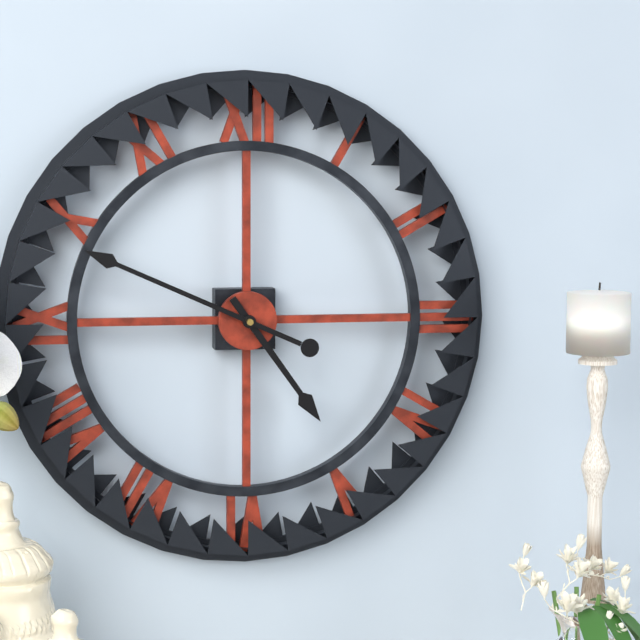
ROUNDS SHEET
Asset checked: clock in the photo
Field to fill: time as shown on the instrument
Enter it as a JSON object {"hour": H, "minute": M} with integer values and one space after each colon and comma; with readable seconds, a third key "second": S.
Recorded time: {"hour": 4, "minute": 49}
